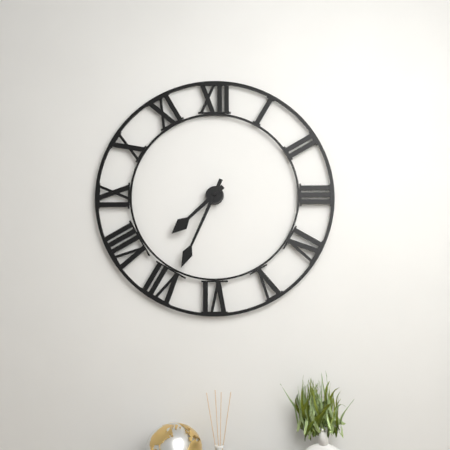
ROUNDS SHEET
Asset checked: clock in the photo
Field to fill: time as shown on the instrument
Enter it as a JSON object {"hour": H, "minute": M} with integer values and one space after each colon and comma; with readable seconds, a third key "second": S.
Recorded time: {"hour": 7, "minute": 34}
